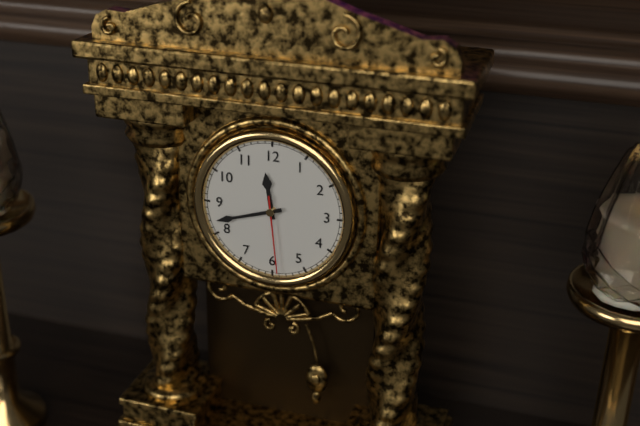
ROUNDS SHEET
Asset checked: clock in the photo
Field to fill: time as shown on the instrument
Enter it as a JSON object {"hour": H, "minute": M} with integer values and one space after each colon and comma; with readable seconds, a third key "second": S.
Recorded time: {"hour": 11, "minute": 42, "second": 29}
